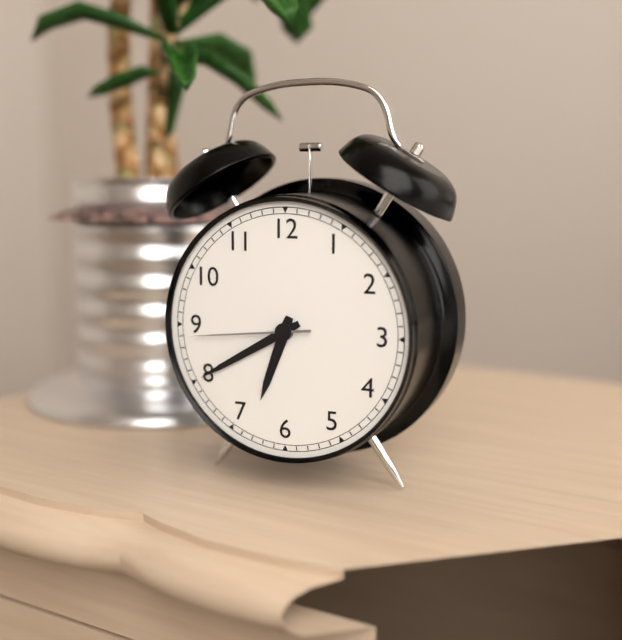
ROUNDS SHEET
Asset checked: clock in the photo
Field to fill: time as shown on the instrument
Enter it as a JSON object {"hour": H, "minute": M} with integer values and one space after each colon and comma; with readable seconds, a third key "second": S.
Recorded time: {"hour": 6, "minute": 40, "second": 44}
